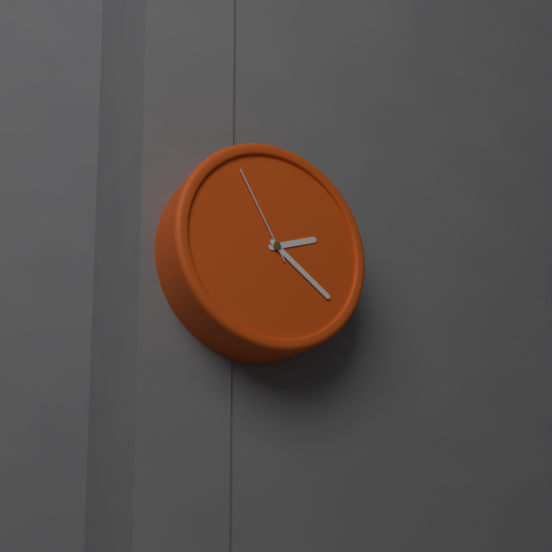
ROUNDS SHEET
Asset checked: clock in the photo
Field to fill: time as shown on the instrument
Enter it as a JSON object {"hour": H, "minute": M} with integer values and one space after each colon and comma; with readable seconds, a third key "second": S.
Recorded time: {"hour": 2, "minute": 21, "second": 55}
